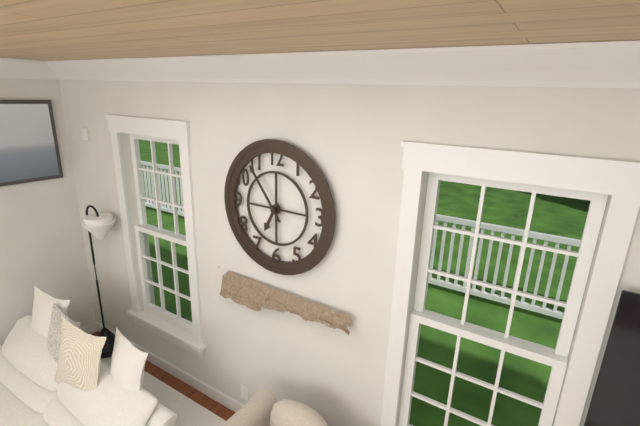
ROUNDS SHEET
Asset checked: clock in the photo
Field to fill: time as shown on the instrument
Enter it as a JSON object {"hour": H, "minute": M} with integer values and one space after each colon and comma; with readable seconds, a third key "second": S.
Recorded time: {"hour": 6, "minute": 54}
